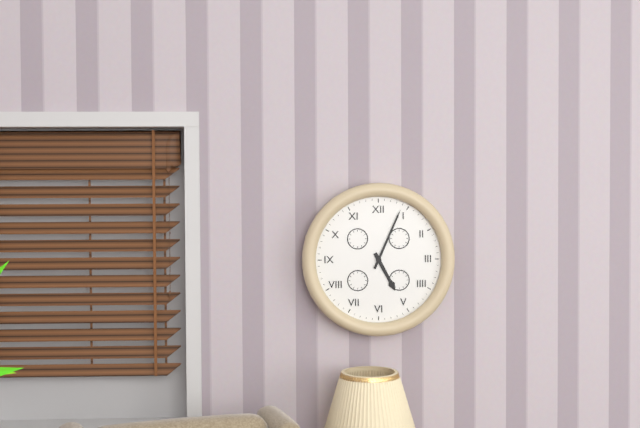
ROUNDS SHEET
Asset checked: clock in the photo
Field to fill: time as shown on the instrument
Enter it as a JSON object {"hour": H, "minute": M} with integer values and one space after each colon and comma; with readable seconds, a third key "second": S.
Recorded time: {"hour": 5, "minute": 4}
